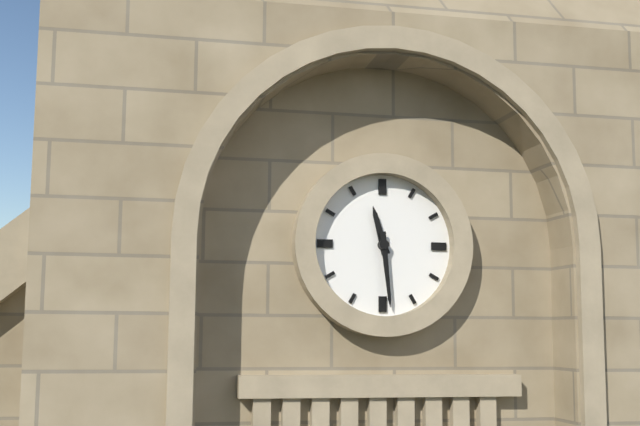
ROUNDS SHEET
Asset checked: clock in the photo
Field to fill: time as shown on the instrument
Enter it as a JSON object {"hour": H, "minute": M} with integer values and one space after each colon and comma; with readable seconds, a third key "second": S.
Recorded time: {"hour": 11, "minute": 29}
